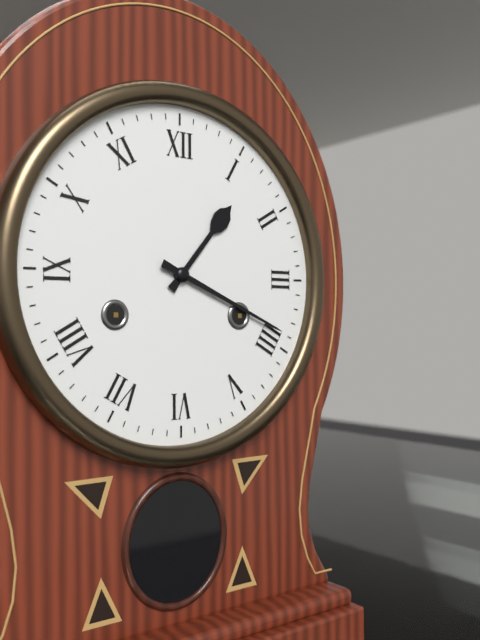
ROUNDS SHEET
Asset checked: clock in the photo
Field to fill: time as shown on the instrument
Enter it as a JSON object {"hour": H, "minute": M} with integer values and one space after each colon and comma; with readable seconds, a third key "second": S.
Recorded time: {"hour": 1, "minute": 19}
